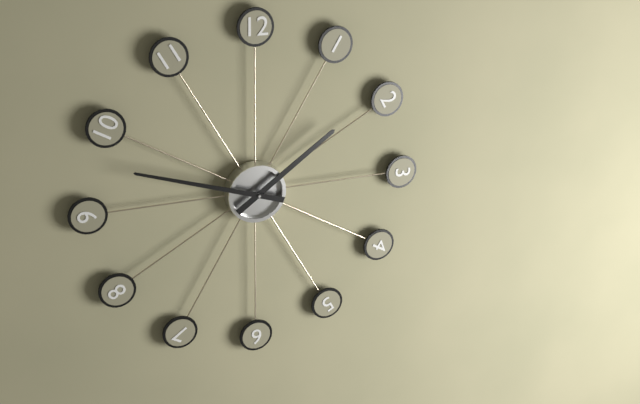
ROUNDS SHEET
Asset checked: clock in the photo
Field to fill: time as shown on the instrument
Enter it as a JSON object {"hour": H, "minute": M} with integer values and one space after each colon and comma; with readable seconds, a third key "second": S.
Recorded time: {"hour": 1, "minute": 48}
